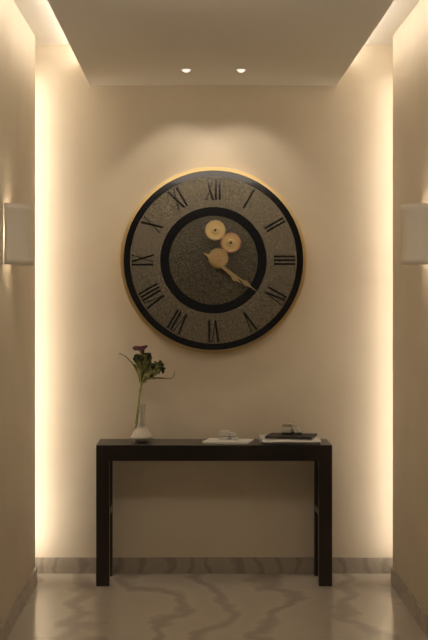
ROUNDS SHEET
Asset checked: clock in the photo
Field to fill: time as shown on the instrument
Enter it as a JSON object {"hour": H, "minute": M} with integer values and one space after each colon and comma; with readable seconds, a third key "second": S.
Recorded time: {"hour": 4, "minute": 21}
